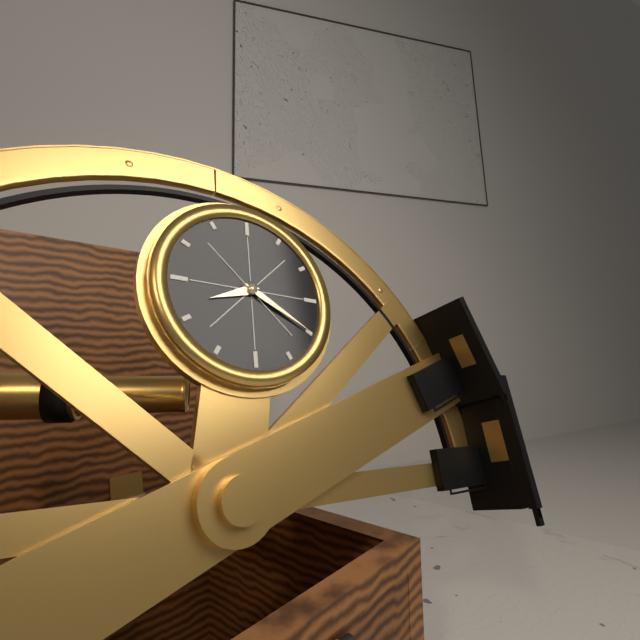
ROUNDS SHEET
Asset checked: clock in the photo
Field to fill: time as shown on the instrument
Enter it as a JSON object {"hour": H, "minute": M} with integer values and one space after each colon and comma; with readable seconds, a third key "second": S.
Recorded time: {"hour": 8, "minute": 20}
